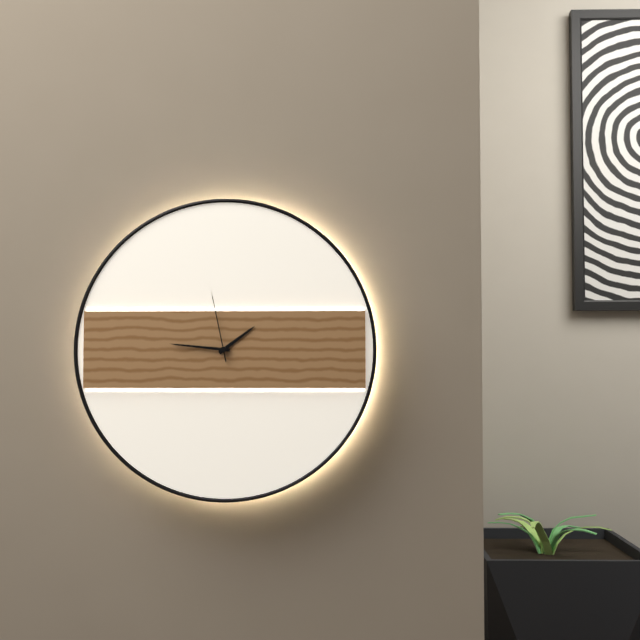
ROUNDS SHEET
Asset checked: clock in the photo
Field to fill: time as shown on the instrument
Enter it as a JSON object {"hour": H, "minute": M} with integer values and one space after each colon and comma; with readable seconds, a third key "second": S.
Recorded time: {"hour": 1, "minute": 46, "second": 58}
